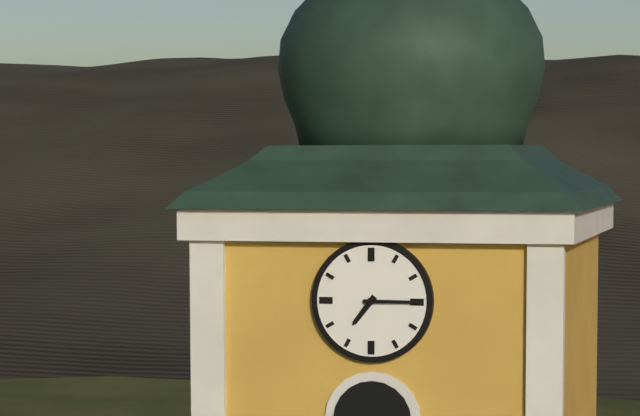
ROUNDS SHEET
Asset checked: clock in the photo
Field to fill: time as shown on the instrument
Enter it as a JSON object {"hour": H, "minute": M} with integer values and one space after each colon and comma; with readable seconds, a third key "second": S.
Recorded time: {"hour": 7, "minute": 15}
